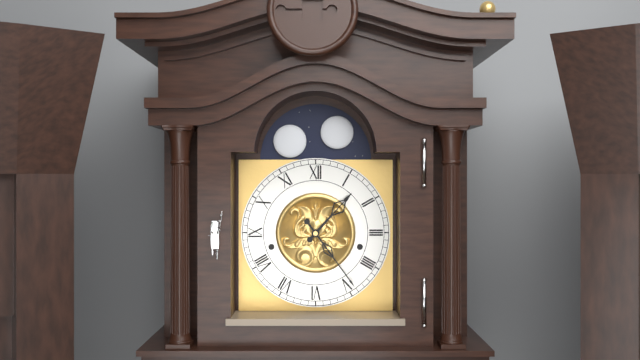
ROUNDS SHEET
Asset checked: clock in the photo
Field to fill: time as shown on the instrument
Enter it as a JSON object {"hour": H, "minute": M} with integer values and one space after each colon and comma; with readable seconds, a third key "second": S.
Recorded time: {"hour": 1, "minute": 24}
